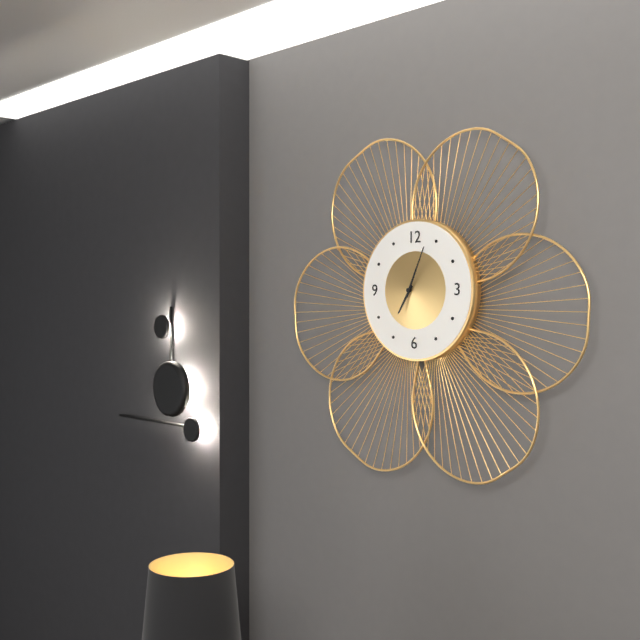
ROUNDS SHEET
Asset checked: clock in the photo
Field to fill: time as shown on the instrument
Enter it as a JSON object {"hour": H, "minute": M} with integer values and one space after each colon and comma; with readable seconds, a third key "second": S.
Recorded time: {"hour": 7, "minute": 4}
